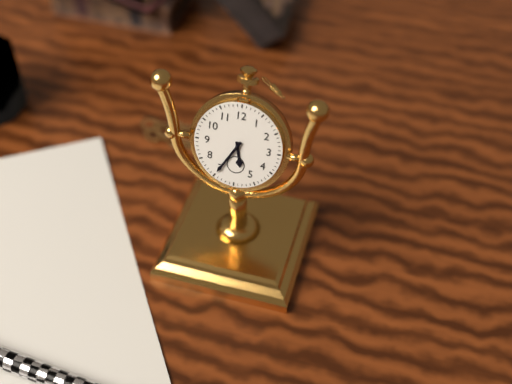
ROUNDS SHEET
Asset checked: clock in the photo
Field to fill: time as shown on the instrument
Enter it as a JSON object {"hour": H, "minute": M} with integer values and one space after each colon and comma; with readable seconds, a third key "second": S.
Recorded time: {"hour": 5, "minute": 35}
